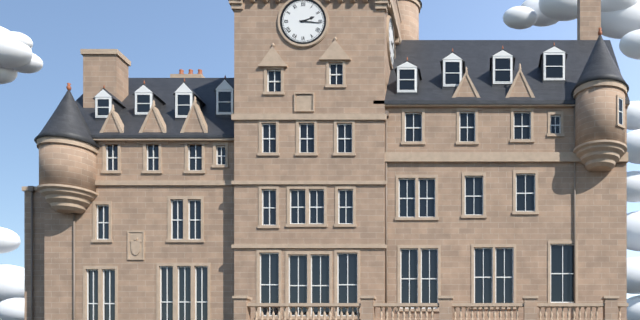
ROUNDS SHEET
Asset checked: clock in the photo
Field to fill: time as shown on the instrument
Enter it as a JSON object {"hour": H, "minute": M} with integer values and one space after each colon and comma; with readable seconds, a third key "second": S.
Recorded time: {"hour": 2, "minute": 16}
